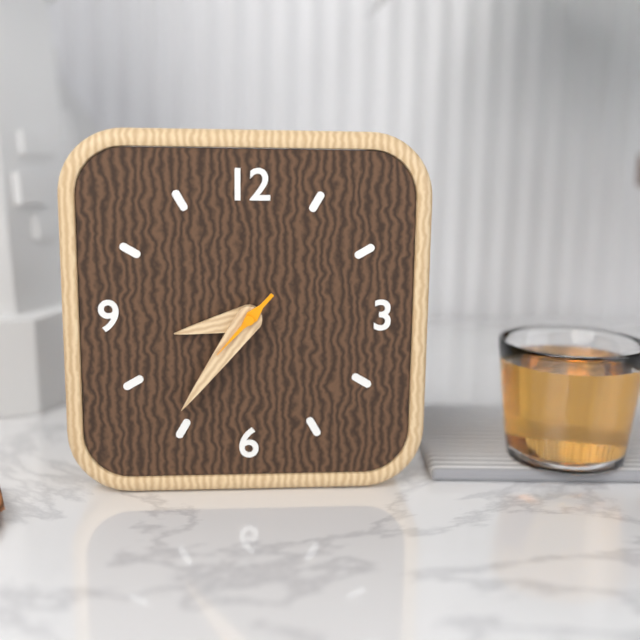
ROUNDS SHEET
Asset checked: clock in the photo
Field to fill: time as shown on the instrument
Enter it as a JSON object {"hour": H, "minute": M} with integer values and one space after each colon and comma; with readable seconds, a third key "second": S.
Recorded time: {"hour": 8, "minute": 36, "second": 37}
